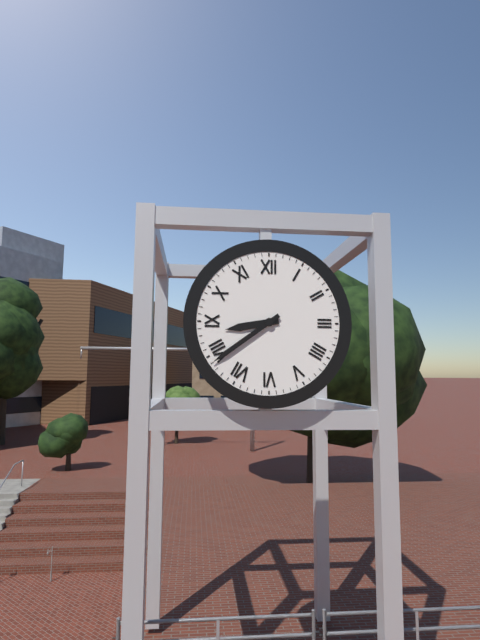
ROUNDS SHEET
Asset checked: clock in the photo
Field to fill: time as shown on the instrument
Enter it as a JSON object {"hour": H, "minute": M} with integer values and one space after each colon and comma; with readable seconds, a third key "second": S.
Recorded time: {"hour": 8, "minute": 39}
